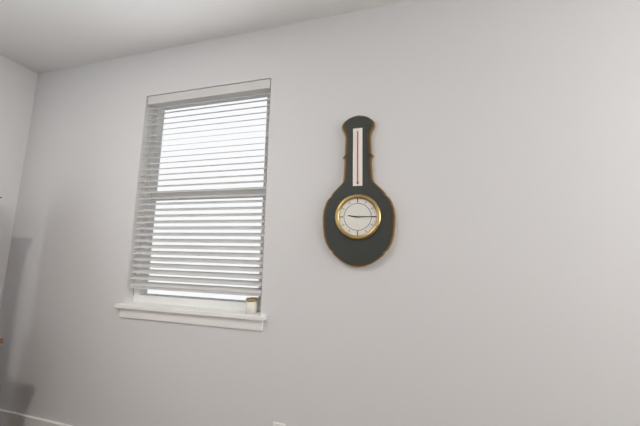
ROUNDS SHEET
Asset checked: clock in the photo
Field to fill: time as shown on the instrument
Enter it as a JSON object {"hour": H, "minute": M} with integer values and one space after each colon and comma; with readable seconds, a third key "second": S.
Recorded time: {"hour": 9, "minute": 15}
